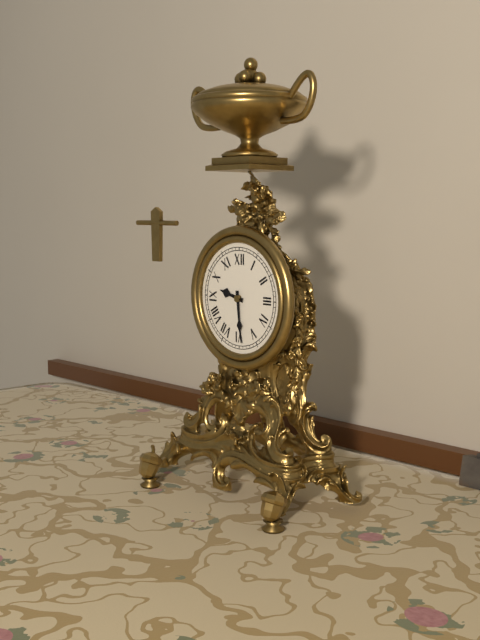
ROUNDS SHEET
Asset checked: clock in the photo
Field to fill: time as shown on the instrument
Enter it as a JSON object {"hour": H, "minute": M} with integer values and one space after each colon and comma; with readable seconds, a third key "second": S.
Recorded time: {"hour": 9, "minute": 29}
